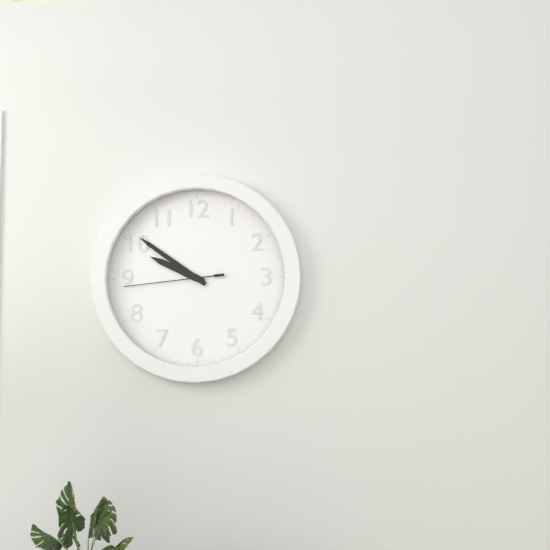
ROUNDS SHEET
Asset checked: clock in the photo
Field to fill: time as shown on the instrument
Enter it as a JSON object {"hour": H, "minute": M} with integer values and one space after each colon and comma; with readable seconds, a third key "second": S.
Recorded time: {"hour": 9, "minute": 51, "second": 44}
